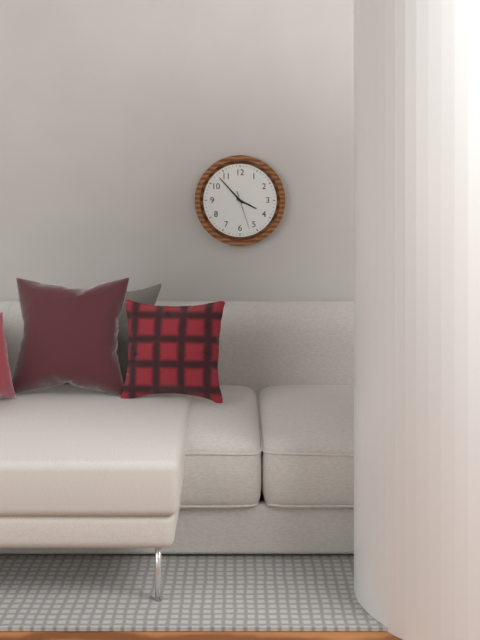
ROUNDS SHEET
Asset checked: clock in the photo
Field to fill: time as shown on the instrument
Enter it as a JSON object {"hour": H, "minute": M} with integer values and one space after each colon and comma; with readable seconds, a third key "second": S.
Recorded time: {"hour": 3, "minute": 53}
